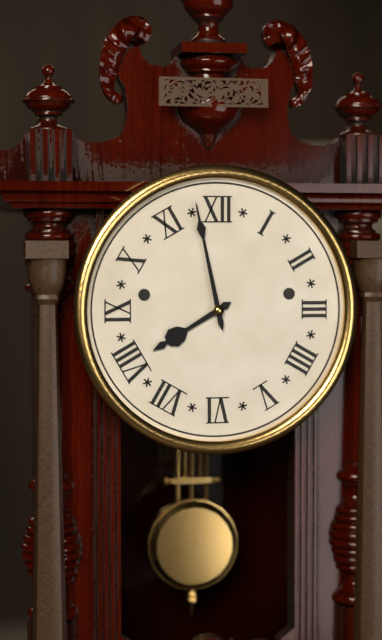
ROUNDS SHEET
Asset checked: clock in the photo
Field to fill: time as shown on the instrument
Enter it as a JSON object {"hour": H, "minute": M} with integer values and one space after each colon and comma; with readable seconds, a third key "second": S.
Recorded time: {"hour": 7, "minute": 58}
